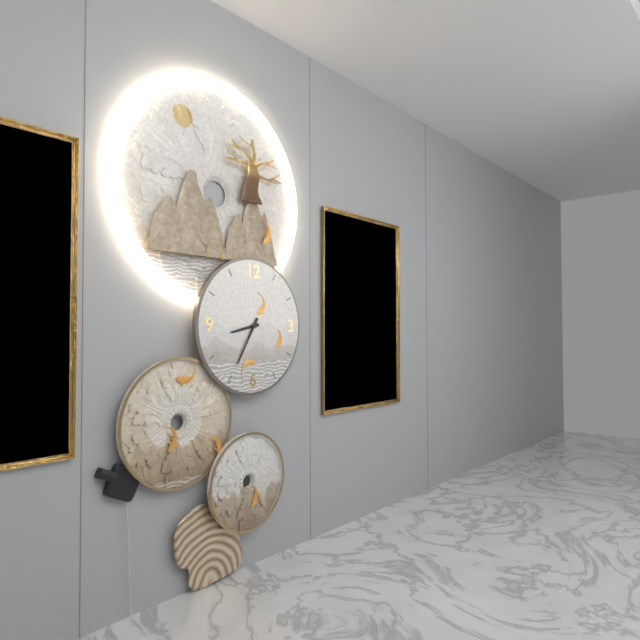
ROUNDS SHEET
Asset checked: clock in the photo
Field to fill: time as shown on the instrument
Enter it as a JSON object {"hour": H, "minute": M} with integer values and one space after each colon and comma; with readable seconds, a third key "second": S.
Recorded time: {"hour": 8, "minute": 35}
